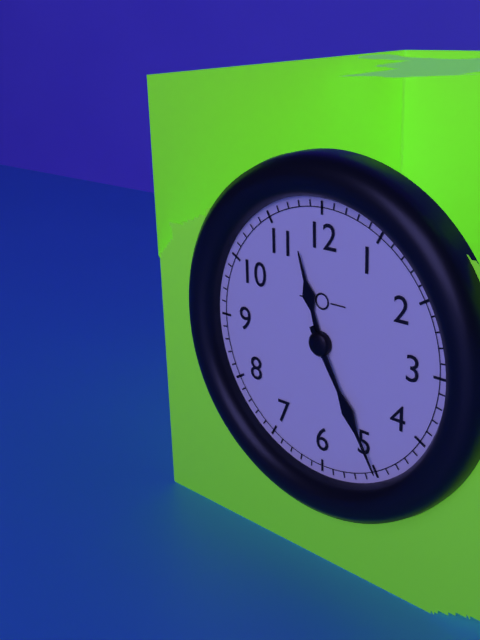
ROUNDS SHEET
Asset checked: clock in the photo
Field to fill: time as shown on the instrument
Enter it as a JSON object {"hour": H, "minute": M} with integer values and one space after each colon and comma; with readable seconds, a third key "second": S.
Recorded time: {"hour": 11, "minute": 25}
